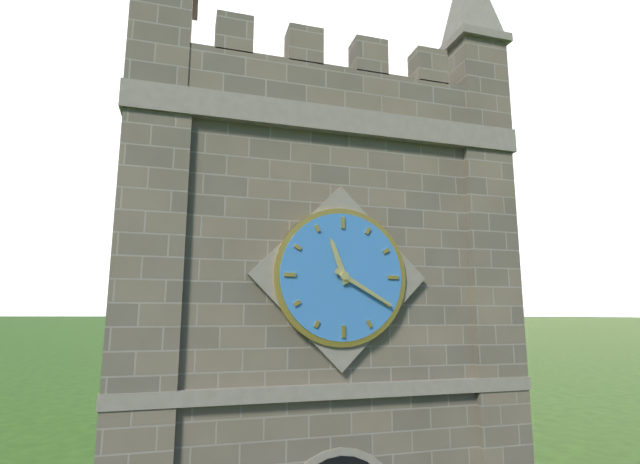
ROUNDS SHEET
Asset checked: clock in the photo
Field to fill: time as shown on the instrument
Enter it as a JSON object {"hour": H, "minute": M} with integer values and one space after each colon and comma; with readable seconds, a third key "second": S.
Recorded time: {"hour": 11, "minute": 20}
